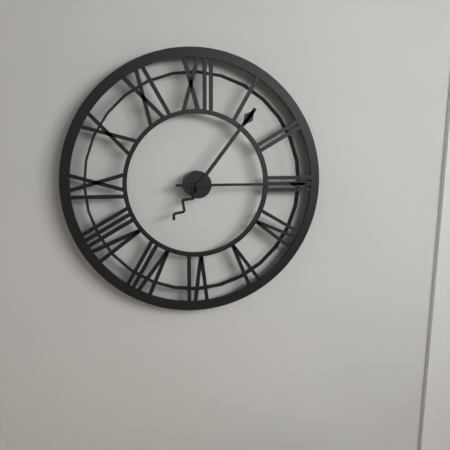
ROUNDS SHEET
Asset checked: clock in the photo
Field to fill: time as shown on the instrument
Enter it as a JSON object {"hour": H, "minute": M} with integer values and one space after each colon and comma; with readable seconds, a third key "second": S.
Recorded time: {"hour": 1, "minute": 15}
